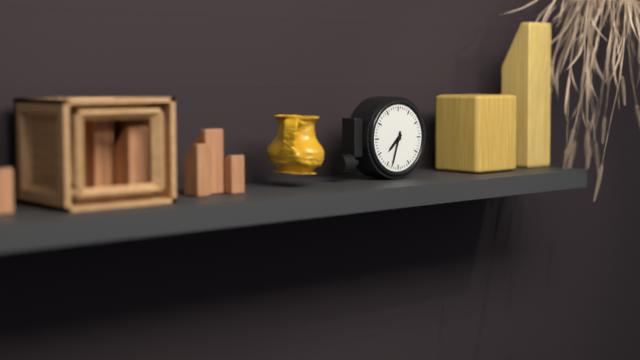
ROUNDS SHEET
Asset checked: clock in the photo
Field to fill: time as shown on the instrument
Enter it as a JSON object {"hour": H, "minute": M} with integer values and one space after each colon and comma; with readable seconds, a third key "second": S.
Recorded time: {"hour": 7, "minute": 33}
